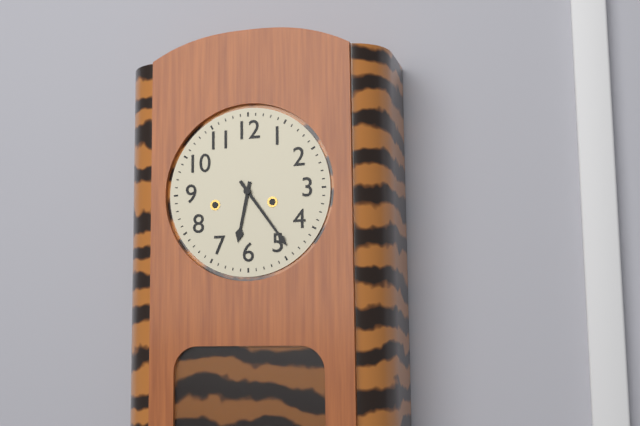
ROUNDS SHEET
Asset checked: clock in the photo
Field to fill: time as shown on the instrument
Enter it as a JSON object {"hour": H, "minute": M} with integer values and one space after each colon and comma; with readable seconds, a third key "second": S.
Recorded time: {"hour": 6, "minute": 24}
